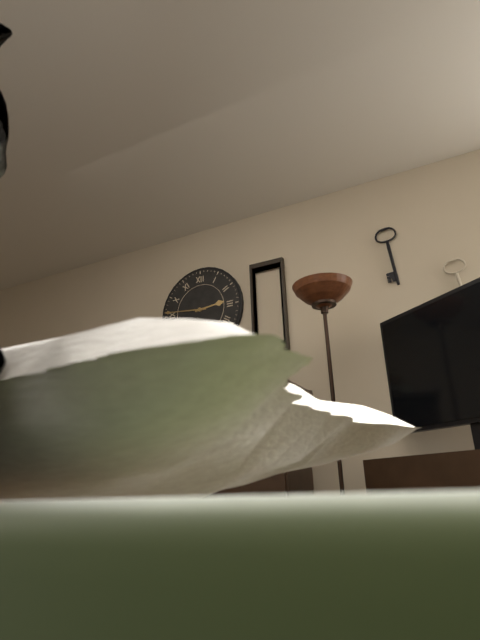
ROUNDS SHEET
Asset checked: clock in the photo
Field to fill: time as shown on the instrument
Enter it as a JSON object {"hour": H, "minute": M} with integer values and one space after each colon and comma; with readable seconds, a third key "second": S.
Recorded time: {"hour": 2, "minute": 46}
